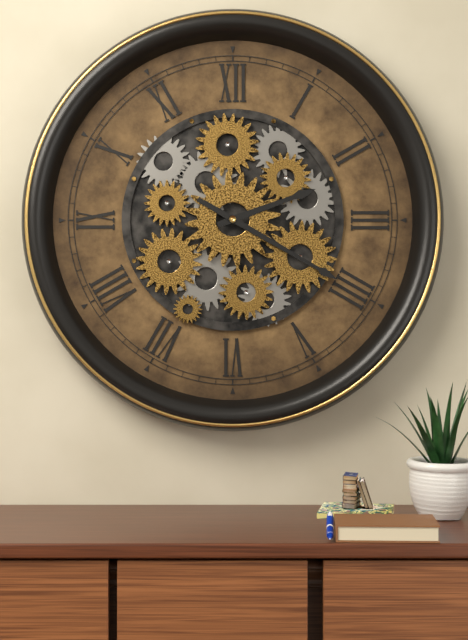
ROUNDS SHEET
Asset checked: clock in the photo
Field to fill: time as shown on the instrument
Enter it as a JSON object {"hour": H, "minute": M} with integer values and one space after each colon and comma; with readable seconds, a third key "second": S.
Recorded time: {"hour": 2, "minute": 20}
